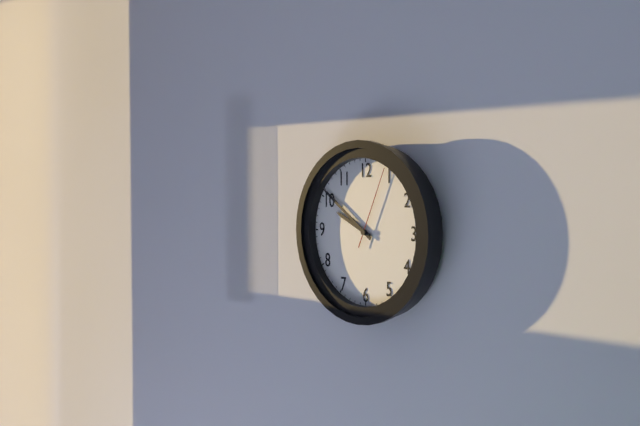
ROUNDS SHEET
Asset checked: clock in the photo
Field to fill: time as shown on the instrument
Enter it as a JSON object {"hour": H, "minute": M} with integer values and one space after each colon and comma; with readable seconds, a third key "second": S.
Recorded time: {"hour": 9, "minute": 51, "second": 4}
